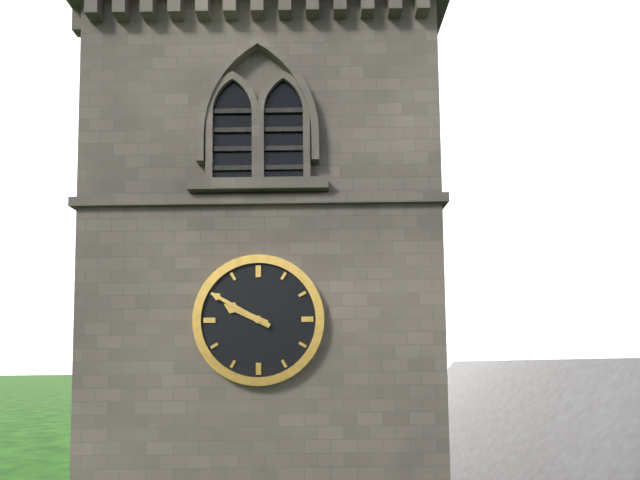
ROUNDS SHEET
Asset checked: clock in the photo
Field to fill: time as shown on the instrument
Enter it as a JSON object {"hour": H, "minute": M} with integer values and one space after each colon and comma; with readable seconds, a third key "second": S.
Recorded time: {"hour": 9, "minute": 50}
